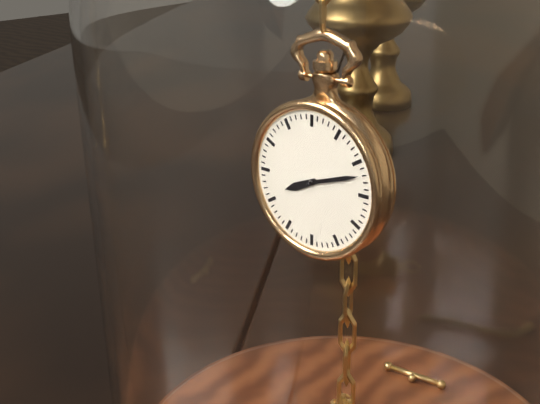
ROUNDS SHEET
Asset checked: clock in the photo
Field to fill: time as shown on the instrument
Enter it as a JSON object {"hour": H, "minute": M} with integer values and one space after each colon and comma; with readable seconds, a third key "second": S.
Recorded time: {"hour": 8, "minute": 12}
